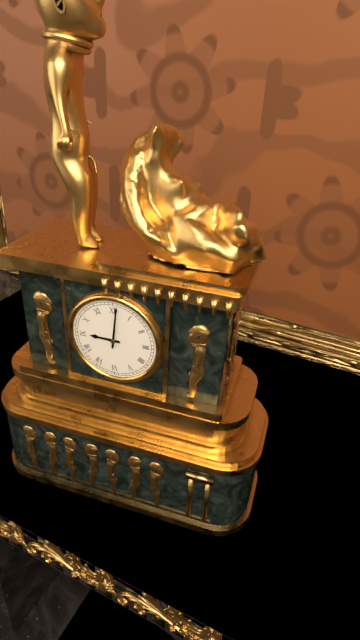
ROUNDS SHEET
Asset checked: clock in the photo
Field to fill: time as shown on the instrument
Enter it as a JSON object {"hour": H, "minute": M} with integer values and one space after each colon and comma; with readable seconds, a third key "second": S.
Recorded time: {"hour": 9, "minute": 1}
